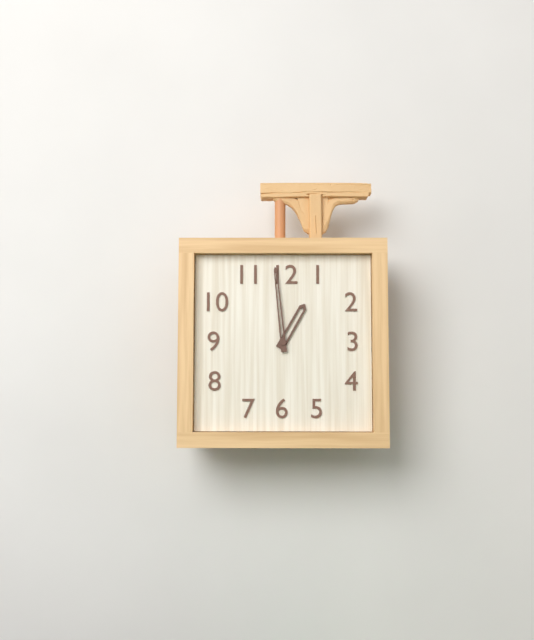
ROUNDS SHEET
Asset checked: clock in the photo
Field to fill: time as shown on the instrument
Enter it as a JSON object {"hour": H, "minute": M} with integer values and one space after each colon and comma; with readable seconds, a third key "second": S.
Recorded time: {"hour": 12, "minute": 59}
